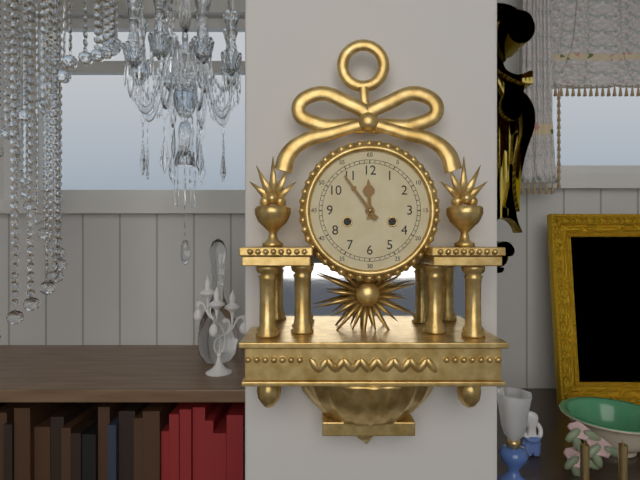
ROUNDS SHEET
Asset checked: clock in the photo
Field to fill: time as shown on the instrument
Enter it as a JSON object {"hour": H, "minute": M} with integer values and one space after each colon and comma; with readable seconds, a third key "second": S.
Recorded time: {"hour": 11, "minute": 54}
